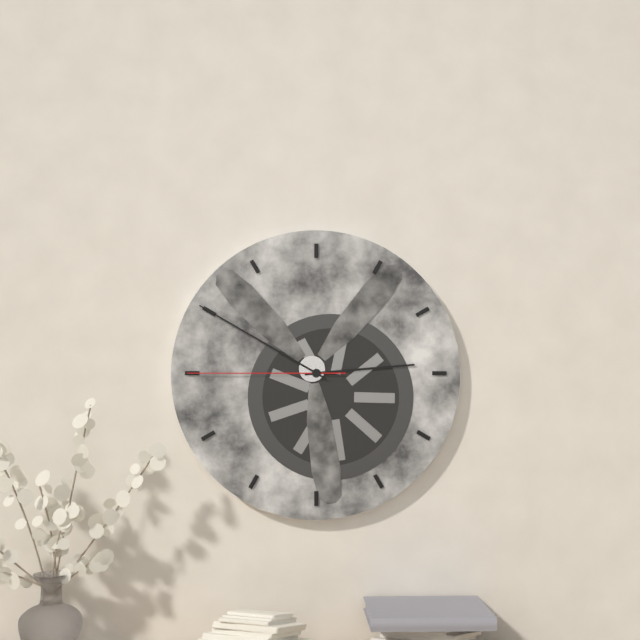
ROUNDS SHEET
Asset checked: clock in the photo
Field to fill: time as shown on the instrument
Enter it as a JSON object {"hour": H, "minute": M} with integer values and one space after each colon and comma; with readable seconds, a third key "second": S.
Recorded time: {"hour": 2, "minute": 50, "second": 45}
